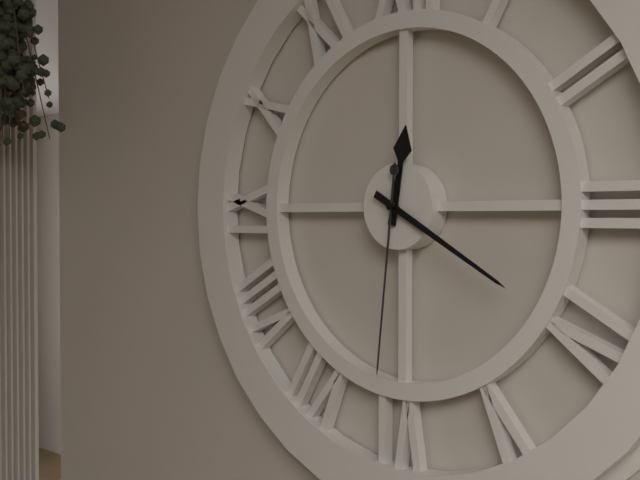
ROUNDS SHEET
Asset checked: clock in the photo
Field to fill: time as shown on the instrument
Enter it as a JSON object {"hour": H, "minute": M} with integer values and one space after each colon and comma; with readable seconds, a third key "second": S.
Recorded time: {"hour": 12, "minute": 20, "second": 31}
